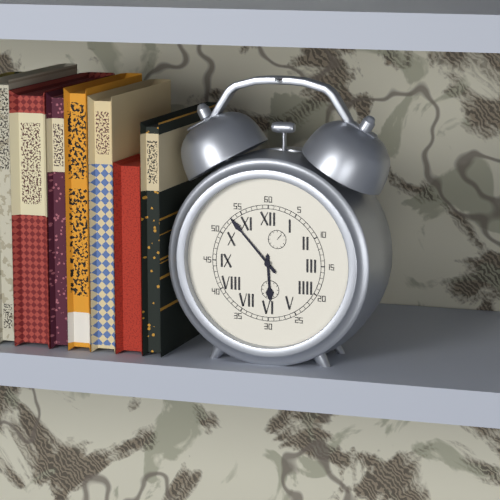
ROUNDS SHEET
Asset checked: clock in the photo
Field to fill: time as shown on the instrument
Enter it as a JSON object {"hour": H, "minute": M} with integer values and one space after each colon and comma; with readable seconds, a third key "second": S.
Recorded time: {"hour": 5, "minute": 53}
